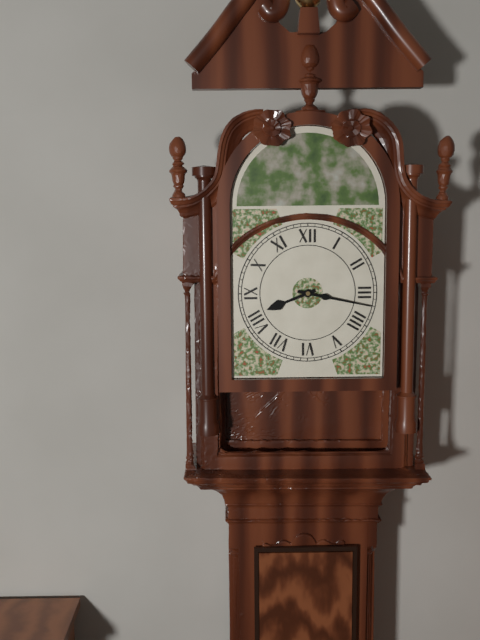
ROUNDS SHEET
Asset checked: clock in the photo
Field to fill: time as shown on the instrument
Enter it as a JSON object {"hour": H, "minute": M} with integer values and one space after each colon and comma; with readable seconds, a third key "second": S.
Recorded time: {"hour": 8, "minute": 17}
